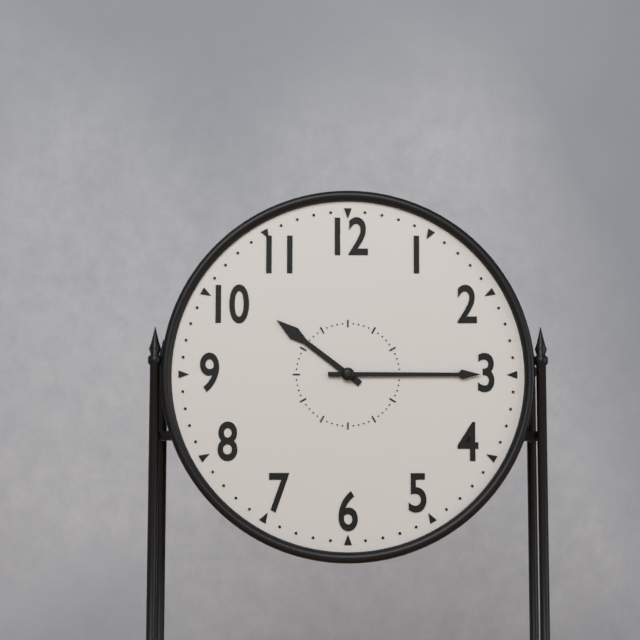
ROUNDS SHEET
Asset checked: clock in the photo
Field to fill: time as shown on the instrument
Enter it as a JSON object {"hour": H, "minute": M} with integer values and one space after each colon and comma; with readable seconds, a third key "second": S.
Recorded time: {"hour": 10, "minute": 15}
